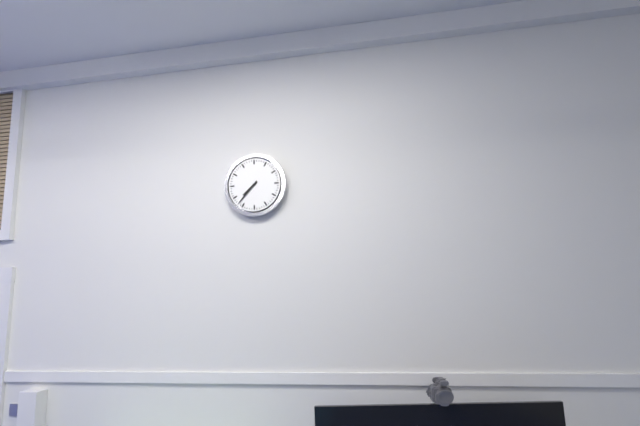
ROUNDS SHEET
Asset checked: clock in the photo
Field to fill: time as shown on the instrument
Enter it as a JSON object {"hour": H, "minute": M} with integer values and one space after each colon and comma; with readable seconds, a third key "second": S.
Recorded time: {"hour": 7, "minute": 37}
